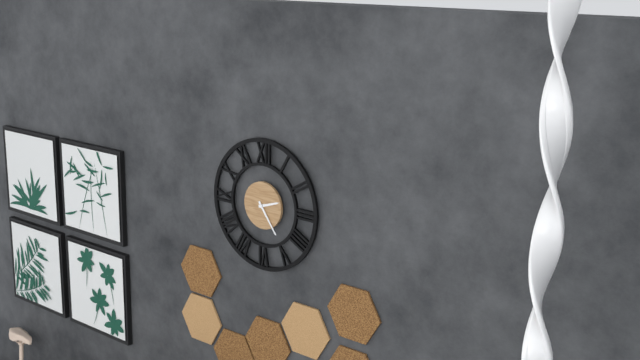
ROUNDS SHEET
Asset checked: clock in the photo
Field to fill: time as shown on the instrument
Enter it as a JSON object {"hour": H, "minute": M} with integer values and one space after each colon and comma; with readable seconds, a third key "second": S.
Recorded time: {"hour": 2, "minute": 24}
